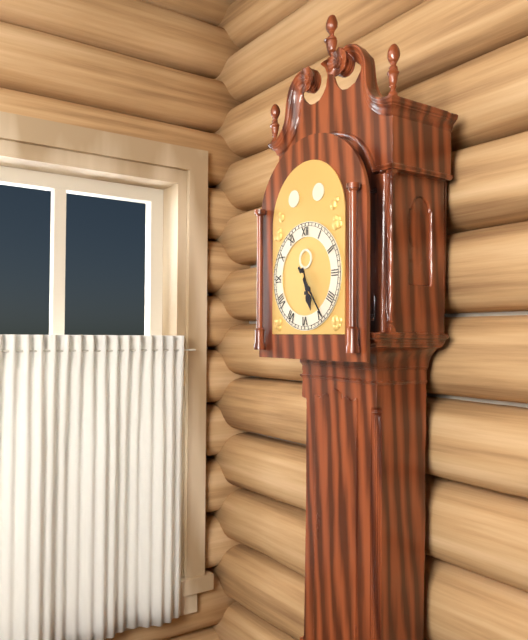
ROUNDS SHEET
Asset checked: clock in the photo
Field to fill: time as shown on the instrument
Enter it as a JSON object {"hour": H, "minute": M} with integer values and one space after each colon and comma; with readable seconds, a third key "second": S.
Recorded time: {"hour": 5, "minute": 24}
